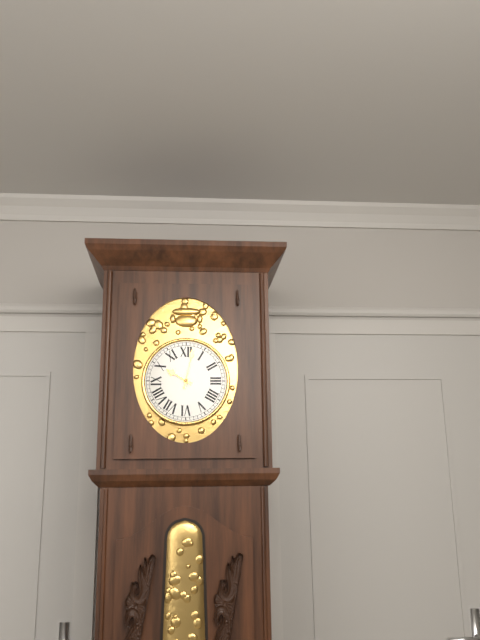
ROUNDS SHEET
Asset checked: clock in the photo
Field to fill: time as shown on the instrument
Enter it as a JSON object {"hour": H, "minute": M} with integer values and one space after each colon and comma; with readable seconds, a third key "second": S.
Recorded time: {"hour": 10, "minute": 2}
